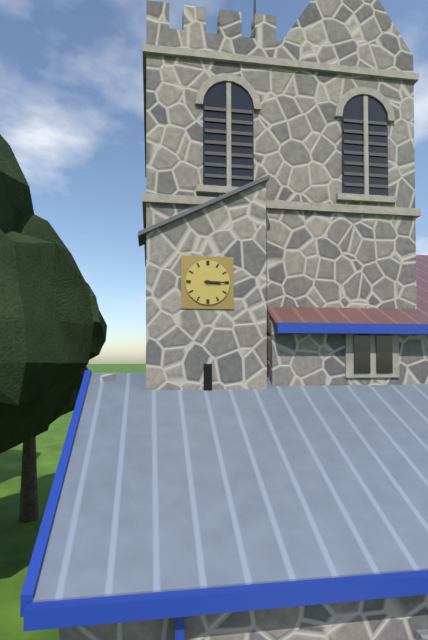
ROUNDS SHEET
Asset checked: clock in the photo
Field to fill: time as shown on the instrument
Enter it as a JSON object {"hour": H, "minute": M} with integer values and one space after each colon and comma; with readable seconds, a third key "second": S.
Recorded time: {"hour": 3, "minute": 15}
